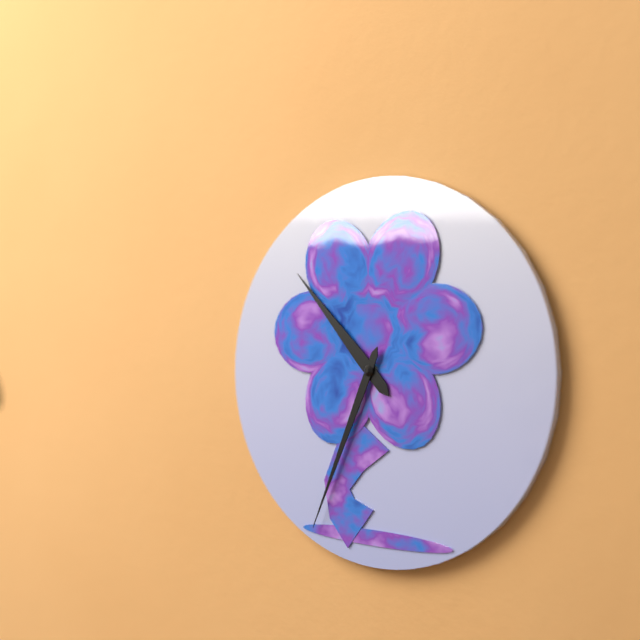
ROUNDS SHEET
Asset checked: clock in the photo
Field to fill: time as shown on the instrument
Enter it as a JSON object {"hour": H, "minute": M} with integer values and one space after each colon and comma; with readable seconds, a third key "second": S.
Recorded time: {"hour": 10, "minute": 34}
